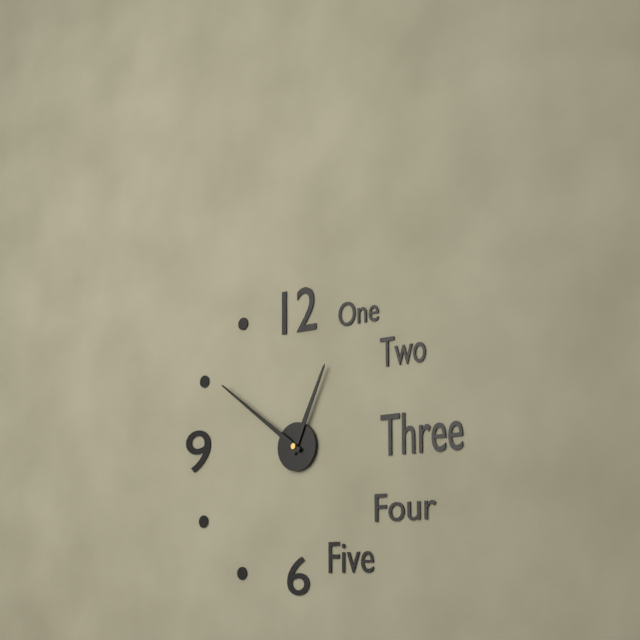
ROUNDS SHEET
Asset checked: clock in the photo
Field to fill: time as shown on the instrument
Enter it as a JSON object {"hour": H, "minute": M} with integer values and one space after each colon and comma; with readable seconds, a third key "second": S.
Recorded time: {"hour": 12, "minute": 51}
